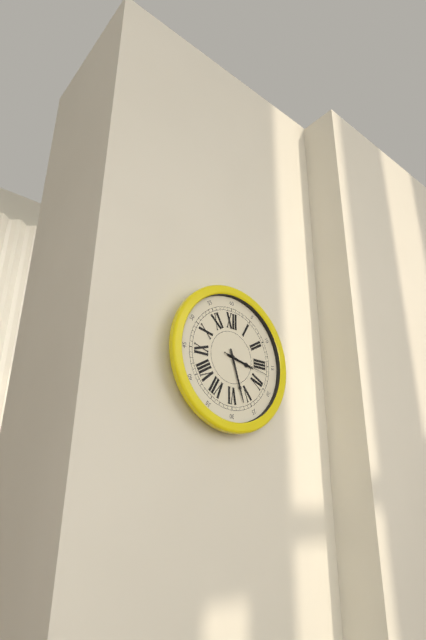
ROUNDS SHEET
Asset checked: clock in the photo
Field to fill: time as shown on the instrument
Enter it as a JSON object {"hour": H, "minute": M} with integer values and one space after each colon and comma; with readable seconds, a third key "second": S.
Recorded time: {"hour": 3, "minute": 27}
